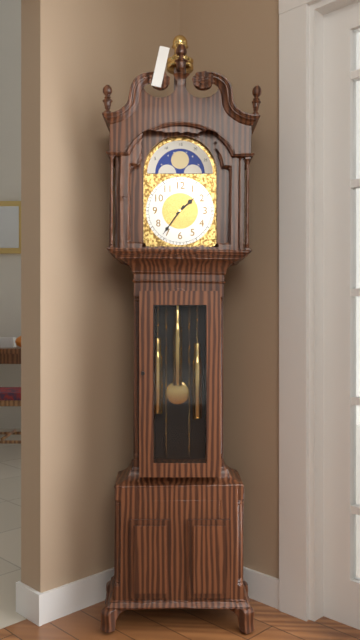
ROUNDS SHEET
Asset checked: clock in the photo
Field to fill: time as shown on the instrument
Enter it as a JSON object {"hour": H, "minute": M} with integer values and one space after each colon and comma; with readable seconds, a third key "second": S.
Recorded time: {"hour": 1, "minute": 36}
